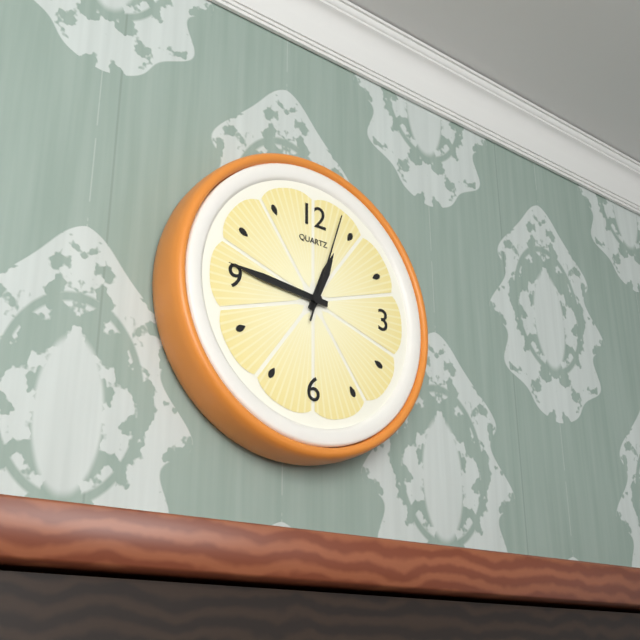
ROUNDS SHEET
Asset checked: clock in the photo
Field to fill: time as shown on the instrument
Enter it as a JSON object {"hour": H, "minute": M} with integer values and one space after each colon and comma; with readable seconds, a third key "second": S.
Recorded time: {"hour": 12, "minute": 46, "second": 3}
